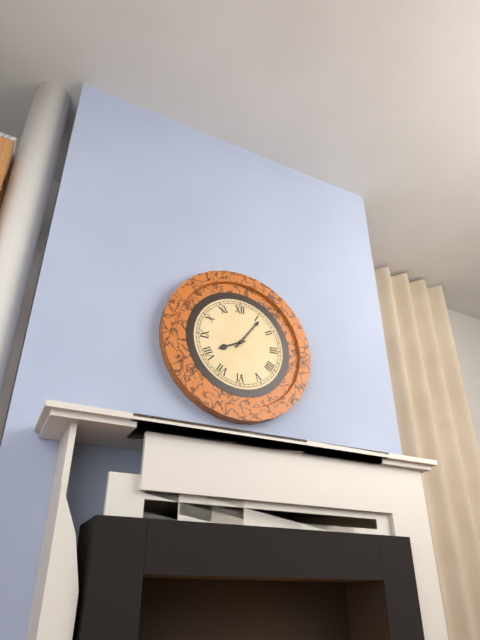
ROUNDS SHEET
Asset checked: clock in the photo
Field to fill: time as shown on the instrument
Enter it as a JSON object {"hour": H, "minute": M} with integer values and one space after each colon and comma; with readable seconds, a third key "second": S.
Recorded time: {"hour": 8, "minute": 6}
